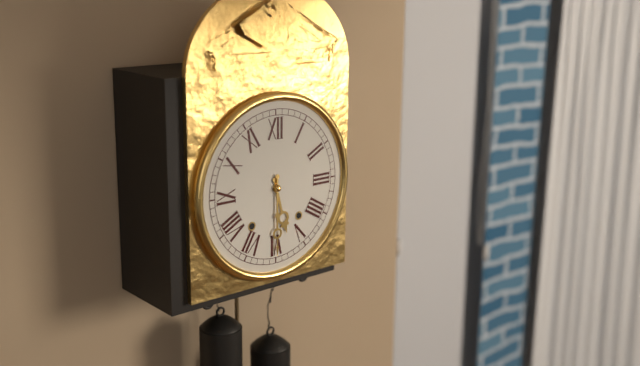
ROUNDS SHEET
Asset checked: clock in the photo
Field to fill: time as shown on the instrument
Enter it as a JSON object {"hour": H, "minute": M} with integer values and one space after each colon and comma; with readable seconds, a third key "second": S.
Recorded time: {"hour": 5, "minute": 30}
